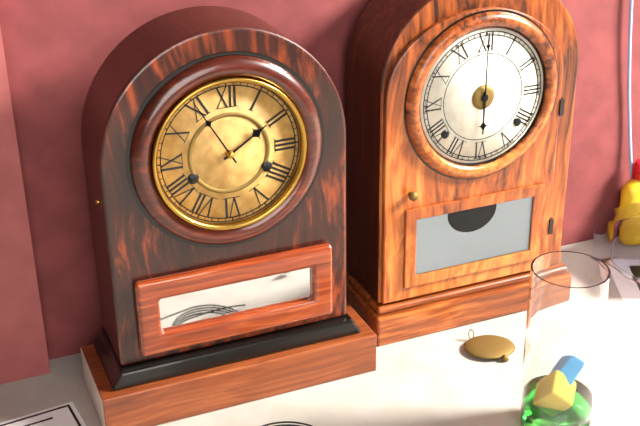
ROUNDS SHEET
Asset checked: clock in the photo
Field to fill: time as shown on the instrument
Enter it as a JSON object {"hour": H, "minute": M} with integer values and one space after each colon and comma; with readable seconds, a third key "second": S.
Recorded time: {"hour": 1, "minute": 55}
